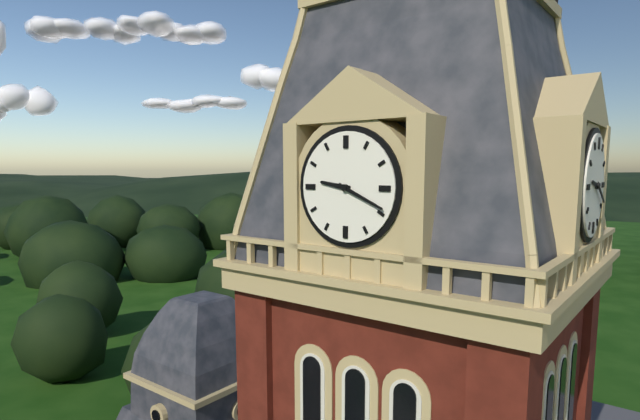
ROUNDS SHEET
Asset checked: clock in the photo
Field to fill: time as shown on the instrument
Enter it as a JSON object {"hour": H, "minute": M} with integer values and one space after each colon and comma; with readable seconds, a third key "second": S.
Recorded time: {"hour": 9, "minute": 19}
